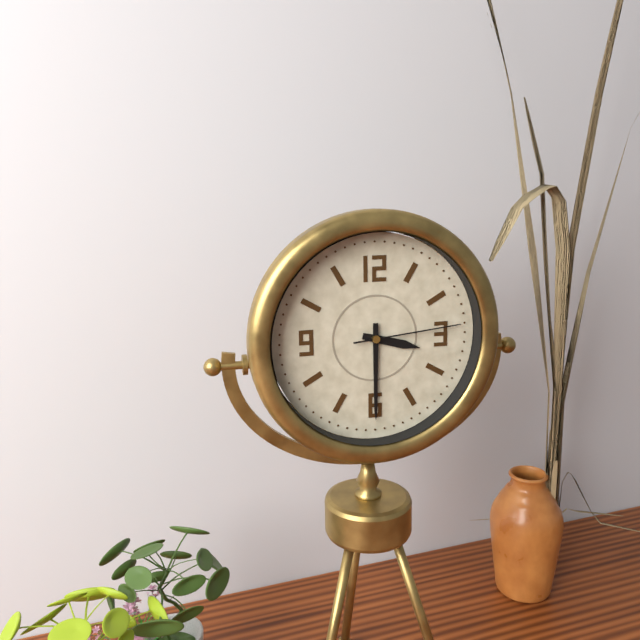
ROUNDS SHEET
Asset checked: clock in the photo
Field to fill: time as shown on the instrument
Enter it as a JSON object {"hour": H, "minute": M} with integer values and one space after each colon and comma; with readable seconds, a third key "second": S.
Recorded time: {"hour": 3, "minute": 30, "second": 14}
